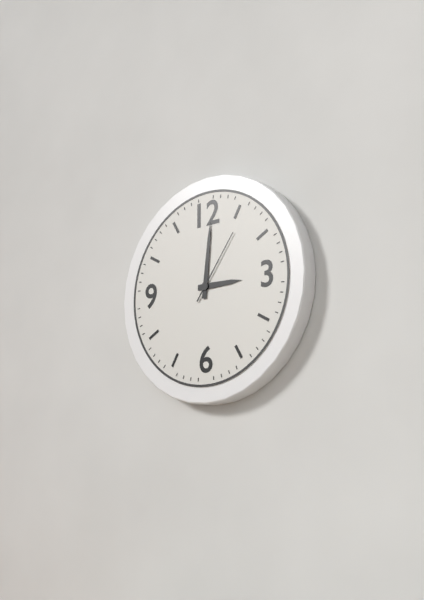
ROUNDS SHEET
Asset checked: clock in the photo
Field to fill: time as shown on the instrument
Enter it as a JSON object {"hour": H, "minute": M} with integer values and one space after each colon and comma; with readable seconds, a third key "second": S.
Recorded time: {"hour": 3, "minute": 1, "second": 6}
